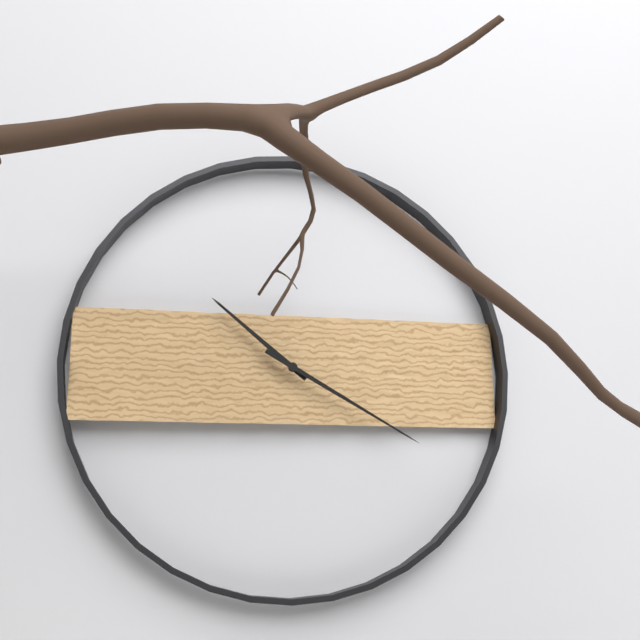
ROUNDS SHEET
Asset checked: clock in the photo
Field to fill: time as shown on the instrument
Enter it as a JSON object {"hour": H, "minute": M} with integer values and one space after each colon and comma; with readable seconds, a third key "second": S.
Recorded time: {"hour": 10, "minute": 20}
